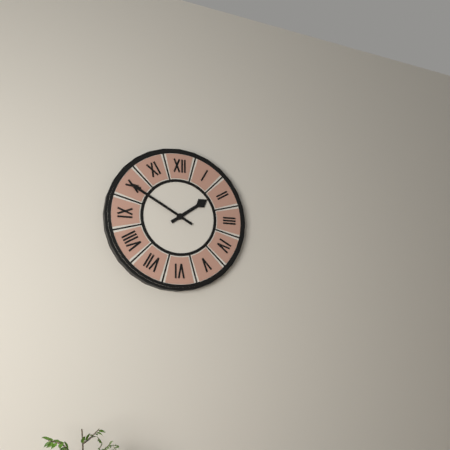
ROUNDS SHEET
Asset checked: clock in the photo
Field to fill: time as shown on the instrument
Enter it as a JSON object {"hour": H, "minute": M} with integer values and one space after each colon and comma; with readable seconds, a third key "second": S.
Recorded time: {"hour": 1, "minute": 50}
